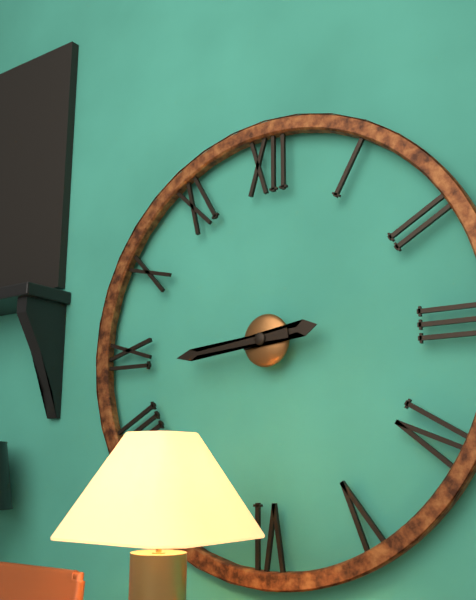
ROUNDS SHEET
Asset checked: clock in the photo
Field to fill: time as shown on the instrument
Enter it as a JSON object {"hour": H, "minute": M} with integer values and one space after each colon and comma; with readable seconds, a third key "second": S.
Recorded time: {"hour": 2, "minute": 44}
